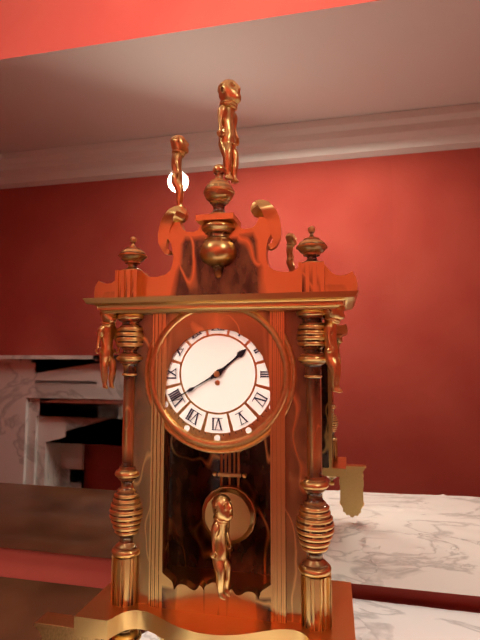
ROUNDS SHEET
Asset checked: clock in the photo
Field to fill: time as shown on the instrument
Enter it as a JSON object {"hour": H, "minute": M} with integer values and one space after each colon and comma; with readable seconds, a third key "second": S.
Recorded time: {"hour": 1, "minute": 40}
